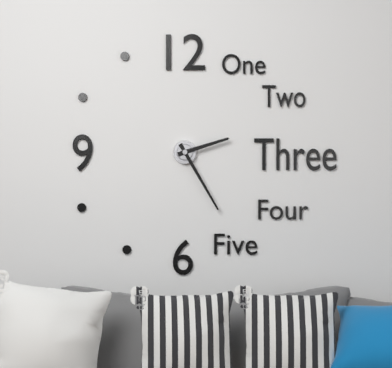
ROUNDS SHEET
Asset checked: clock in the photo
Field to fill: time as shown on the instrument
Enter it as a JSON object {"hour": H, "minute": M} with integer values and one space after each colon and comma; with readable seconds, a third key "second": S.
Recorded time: {"hour": 2, "minute": 25}
